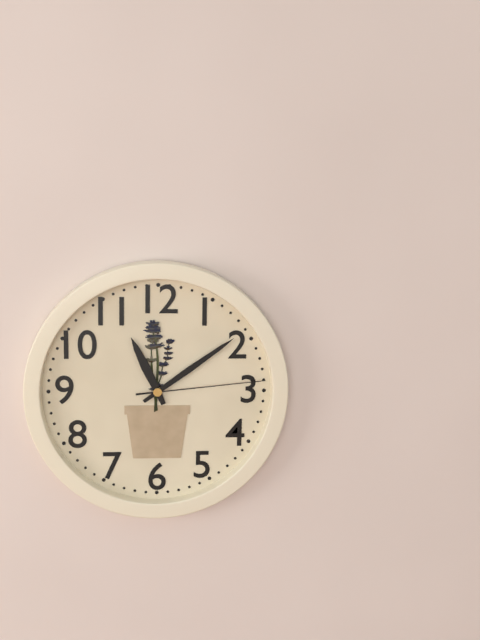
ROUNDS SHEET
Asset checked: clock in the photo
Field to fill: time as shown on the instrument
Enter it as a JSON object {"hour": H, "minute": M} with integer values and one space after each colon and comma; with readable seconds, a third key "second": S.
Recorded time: {"hour": 11, "minute": 9, "second": 14}
